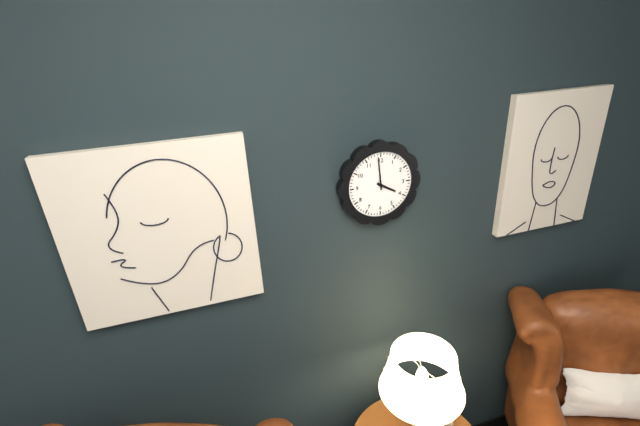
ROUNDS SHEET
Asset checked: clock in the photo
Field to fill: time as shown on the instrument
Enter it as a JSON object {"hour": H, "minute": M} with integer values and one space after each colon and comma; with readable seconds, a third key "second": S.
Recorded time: {"hour": 3, "minute": 59}
